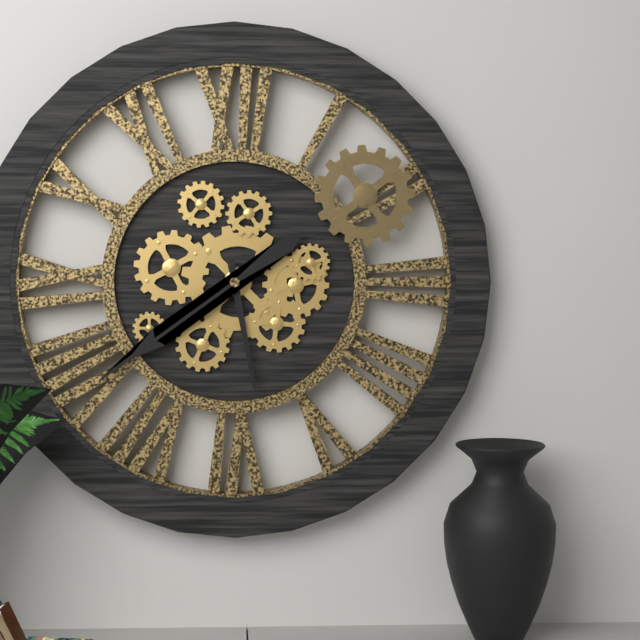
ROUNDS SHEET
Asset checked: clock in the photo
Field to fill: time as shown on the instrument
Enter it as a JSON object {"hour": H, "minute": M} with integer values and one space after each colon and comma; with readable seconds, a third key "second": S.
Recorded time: {"hour": 5, "minute": 39}
